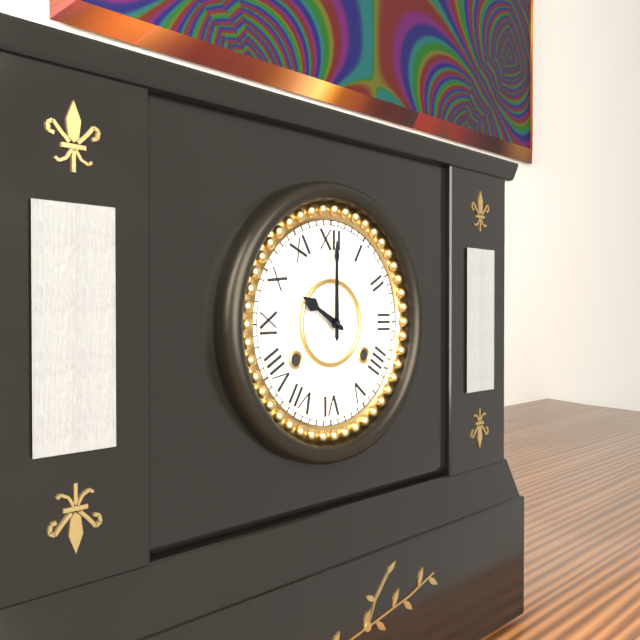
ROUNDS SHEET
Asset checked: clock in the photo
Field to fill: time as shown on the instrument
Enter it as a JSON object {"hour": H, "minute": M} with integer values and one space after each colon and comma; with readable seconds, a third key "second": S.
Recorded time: {"hour": 10, "minute": 0}
